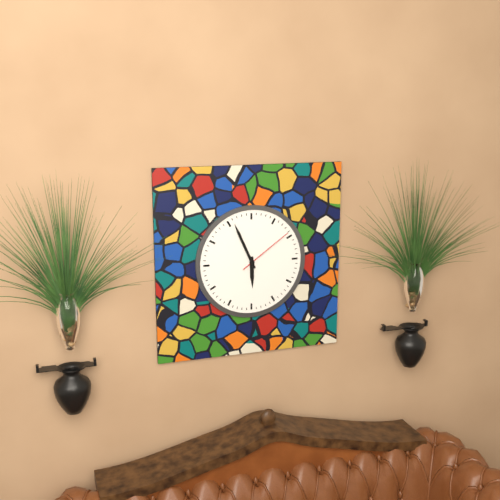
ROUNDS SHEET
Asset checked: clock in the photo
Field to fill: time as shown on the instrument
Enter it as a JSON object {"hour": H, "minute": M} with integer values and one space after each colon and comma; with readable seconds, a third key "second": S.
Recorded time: {"hour": 5, "minute": 56, "second": 9}
